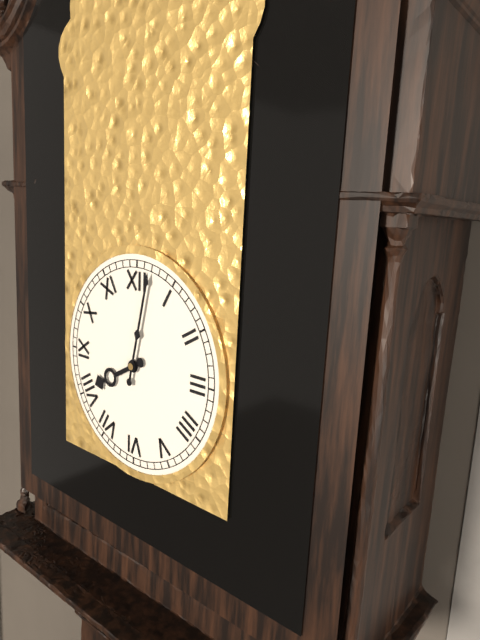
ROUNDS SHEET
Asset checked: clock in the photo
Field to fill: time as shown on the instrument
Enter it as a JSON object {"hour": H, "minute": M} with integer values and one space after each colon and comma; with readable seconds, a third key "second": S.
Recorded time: {"hour": 8, "minute": 2}
